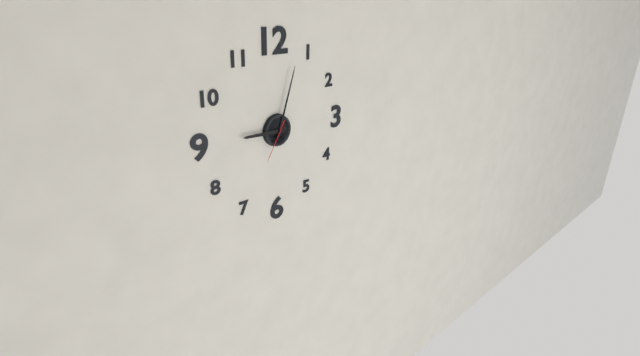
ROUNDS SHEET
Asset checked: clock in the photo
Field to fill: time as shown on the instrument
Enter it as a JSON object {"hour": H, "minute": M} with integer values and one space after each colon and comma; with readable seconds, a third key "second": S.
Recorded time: {"hour": 9, "minute": 3}
